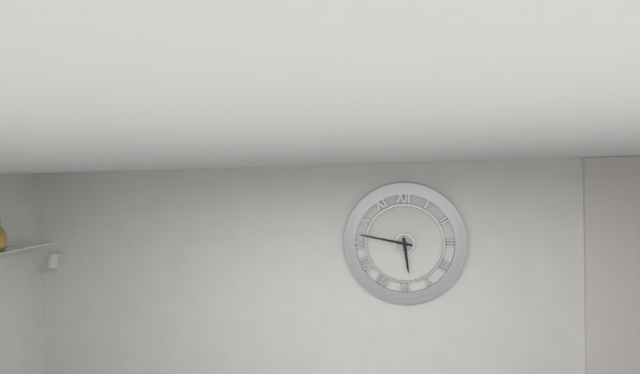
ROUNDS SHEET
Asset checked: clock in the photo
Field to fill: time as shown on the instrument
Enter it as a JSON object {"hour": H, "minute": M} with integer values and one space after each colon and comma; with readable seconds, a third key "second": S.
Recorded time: {"hour": 5, "minute": 47}
